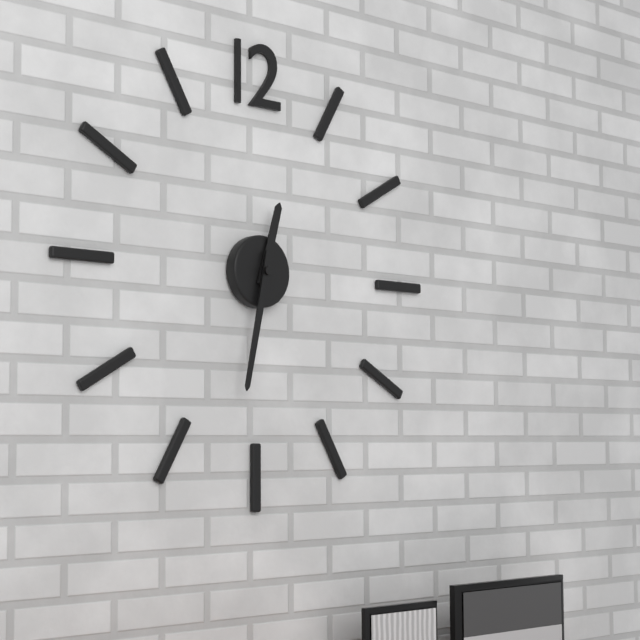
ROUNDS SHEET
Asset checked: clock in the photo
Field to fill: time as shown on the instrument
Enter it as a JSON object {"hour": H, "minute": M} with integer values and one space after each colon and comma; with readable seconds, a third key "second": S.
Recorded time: {"hour": 12, "minute": 32}
